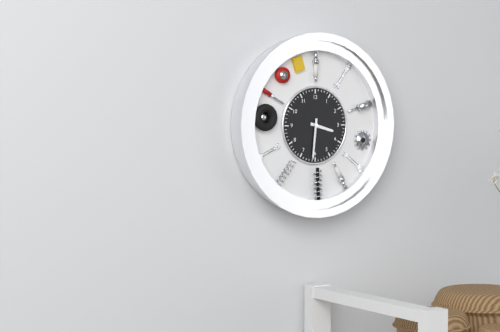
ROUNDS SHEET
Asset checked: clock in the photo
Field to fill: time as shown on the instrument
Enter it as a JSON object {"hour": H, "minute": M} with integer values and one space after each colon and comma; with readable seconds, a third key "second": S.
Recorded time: {"hour": 3, "minute": 31}
